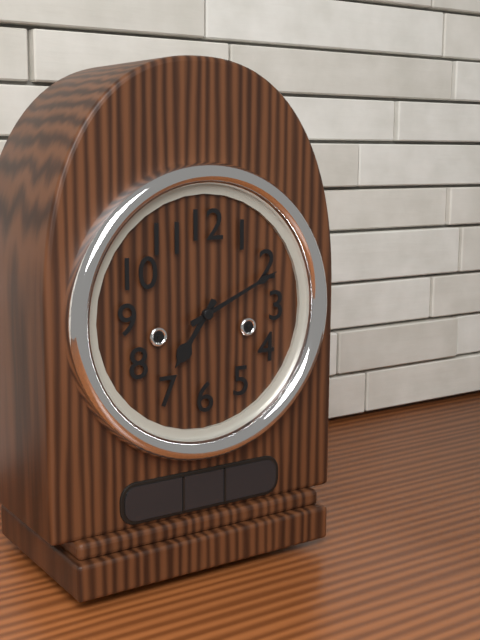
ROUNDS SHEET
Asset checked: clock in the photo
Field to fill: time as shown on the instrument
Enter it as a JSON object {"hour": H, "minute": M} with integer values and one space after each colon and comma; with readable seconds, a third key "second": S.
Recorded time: {"hour": 7, "minute": 11}
